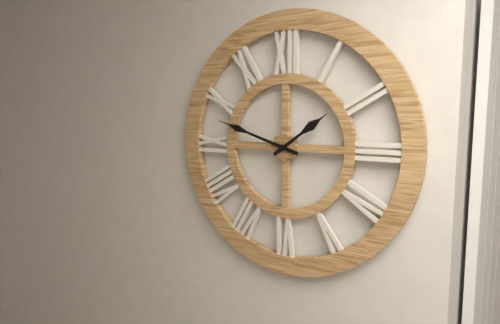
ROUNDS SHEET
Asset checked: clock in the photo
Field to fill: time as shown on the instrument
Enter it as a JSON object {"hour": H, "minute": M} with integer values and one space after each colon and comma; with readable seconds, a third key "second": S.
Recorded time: {"hour": 1, "minute": 48}
